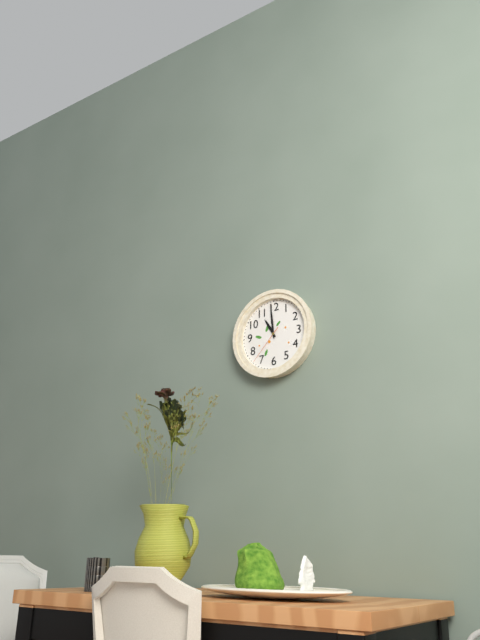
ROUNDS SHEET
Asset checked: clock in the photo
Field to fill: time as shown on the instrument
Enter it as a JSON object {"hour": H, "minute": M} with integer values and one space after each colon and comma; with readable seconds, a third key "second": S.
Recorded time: {"hour": 10, "minute": 59}
